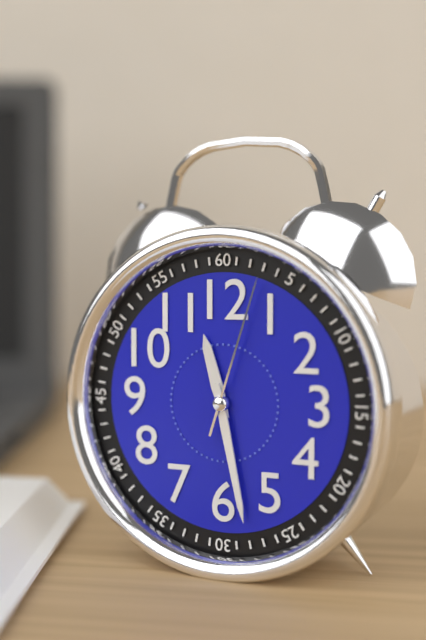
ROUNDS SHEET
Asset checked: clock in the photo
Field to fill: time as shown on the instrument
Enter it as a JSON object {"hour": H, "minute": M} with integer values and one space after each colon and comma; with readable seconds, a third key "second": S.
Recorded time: {"hour": 11, "minute": 28, "second": 3}
